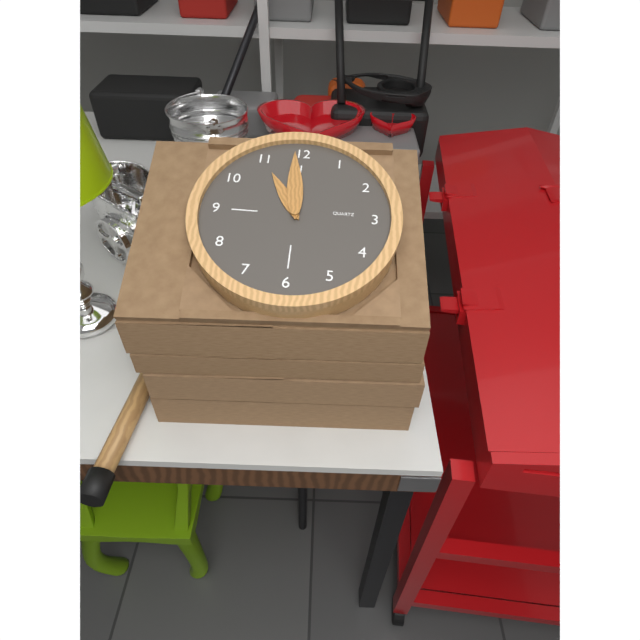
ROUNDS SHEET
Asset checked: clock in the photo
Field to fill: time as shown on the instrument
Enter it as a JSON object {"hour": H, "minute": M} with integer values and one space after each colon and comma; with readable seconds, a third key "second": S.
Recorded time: {"hour": 10, "minute": 59}
